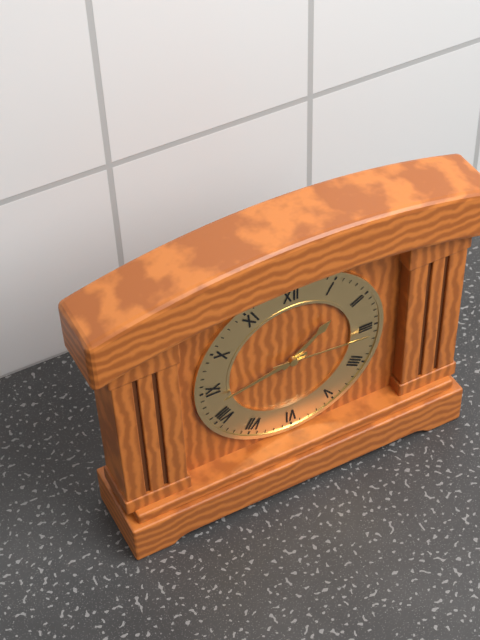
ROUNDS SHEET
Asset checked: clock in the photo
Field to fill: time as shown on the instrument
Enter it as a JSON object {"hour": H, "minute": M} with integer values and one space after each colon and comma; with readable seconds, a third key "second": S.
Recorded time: {"hour": 1, "minute": 43, "second": 16}
